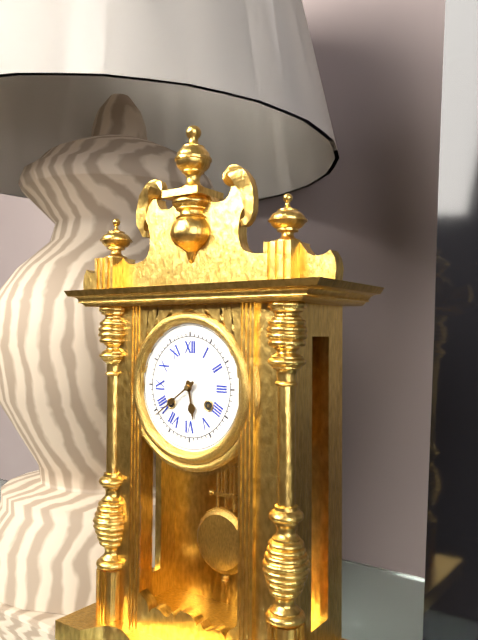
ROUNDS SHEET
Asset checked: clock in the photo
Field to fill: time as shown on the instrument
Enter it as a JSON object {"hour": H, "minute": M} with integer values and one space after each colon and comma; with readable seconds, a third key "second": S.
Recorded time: {"hour": 5, "minute": 39}
